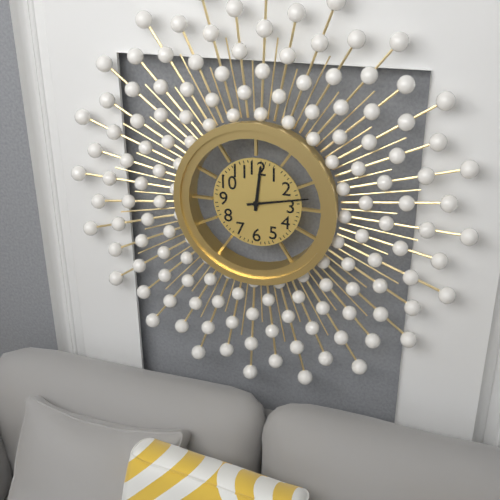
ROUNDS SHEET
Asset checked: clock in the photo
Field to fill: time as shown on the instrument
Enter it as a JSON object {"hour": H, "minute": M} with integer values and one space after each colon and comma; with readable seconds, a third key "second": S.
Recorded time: {"hour": 12, "minute": 13}
